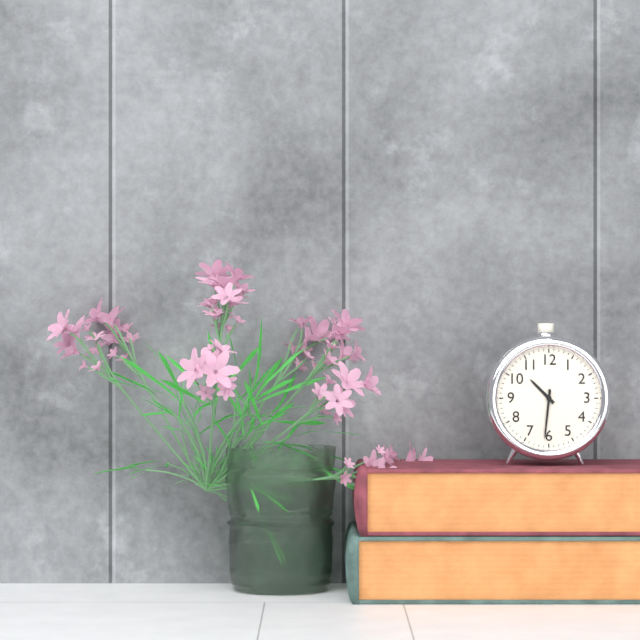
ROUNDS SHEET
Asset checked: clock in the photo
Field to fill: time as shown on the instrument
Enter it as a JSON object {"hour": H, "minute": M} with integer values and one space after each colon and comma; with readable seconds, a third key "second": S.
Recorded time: {"hour": 10, "minute": 31}
